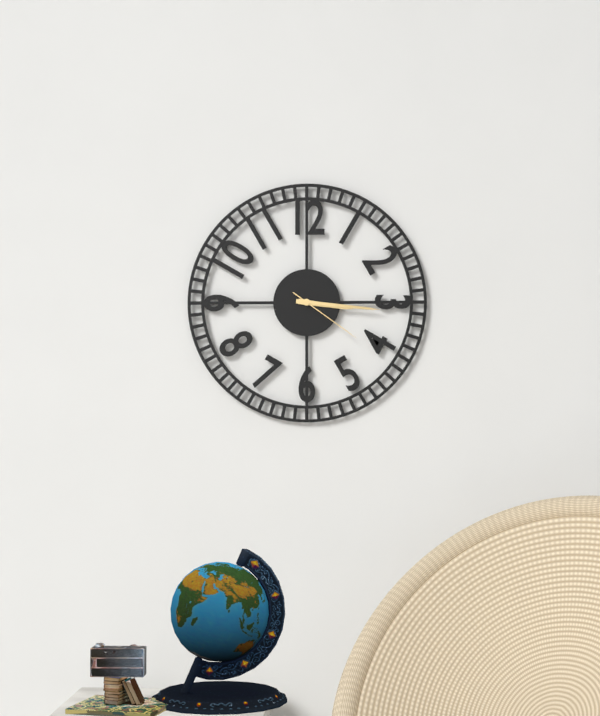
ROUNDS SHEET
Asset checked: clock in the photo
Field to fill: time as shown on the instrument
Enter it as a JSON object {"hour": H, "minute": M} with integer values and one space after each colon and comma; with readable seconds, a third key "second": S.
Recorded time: {"hour": 3, "minute": 16, "second": 21}
